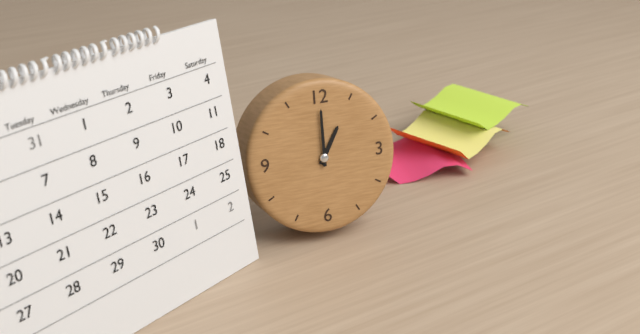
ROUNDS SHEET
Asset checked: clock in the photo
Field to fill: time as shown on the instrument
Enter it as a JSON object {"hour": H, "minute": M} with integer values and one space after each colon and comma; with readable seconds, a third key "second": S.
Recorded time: {"hour": 1, "minute": 0}
